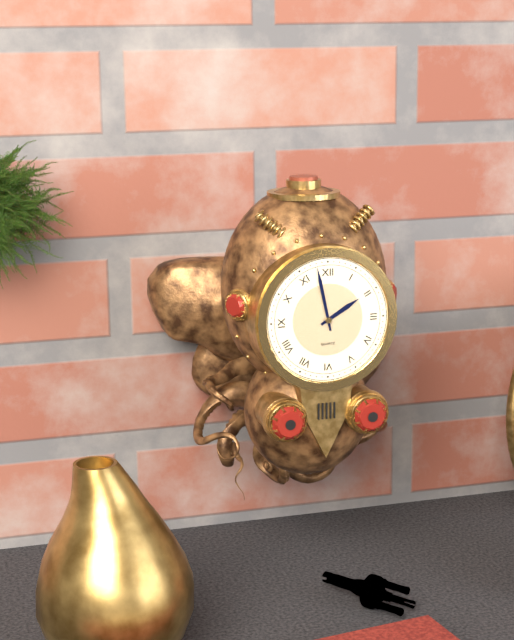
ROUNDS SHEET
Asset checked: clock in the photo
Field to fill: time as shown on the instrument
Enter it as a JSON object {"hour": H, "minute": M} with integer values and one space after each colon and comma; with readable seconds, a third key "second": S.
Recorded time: {"hour": 1, "minute": 58}
